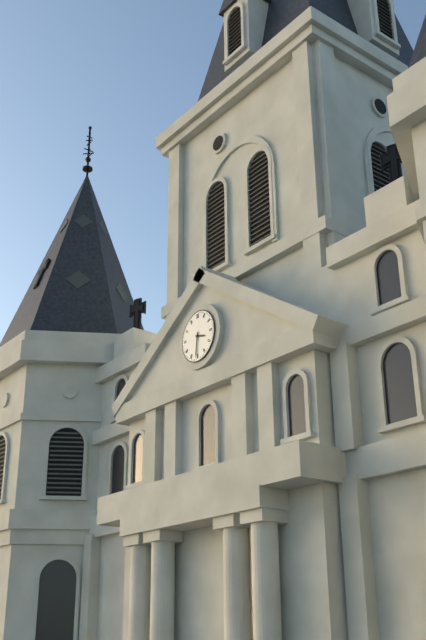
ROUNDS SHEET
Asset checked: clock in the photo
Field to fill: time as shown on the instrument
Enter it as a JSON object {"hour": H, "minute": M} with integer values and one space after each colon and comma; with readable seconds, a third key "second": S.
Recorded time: {"hour": 3, "minute": 31}
